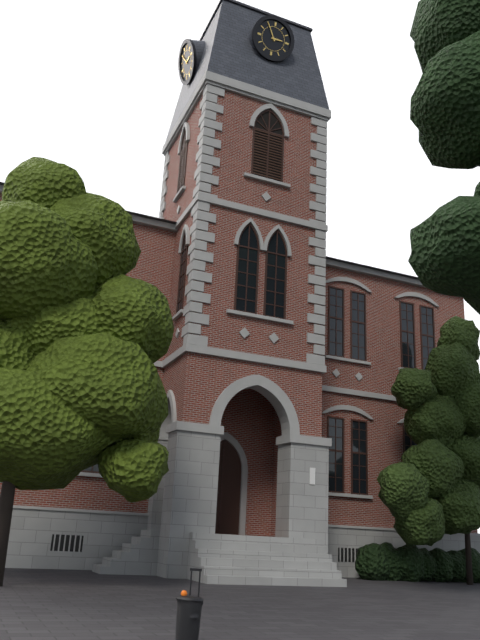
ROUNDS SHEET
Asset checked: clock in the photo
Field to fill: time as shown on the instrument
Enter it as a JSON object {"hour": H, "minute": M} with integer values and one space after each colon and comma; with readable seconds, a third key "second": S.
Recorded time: {"hour": 2, "minute": 55}
